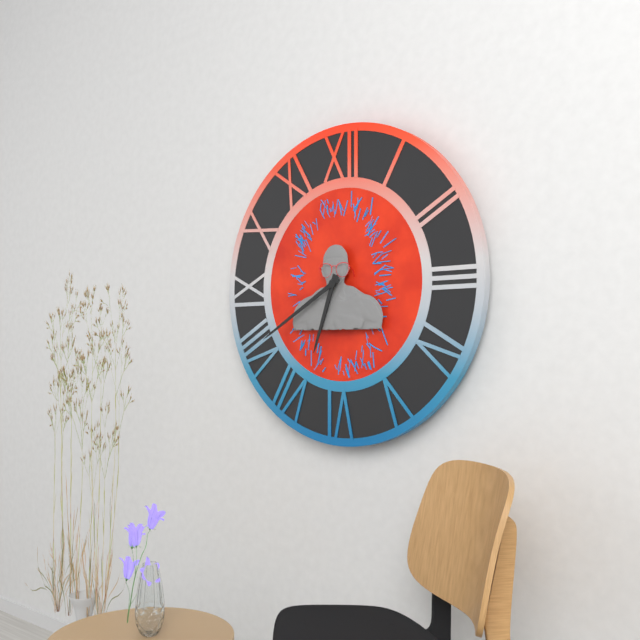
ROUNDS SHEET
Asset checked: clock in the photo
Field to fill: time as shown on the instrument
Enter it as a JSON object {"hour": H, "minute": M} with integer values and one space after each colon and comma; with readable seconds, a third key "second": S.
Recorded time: {"hour": 6, "minute": 40}
